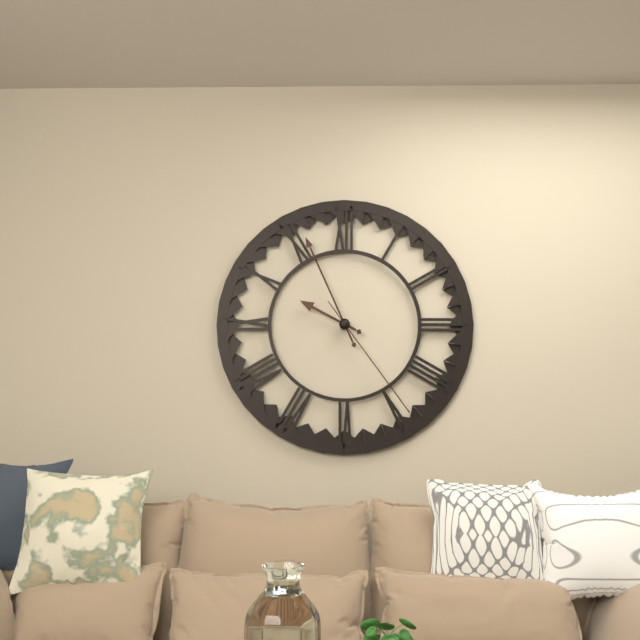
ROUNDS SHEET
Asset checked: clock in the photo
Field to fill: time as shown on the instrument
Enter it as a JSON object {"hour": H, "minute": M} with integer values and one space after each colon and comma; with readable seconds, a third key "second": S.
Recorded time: {"hour": 9, "minute": 56, "second": 24}
